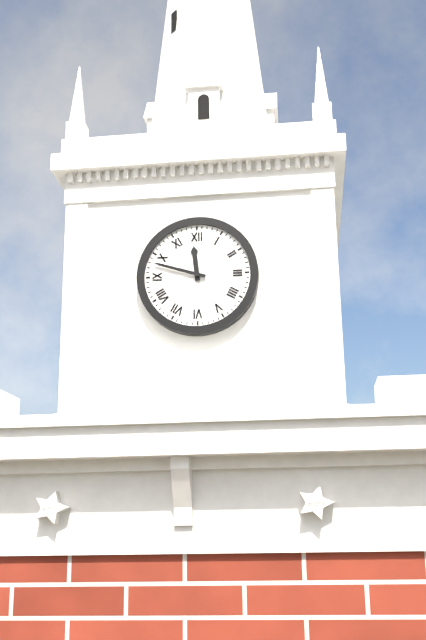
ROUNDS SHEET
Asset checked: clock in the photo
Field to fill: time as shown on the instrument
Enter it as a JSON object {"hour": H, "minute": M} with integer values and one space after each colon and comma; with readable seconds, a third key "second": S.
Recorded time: {"hour": 11, "minute": 48}
